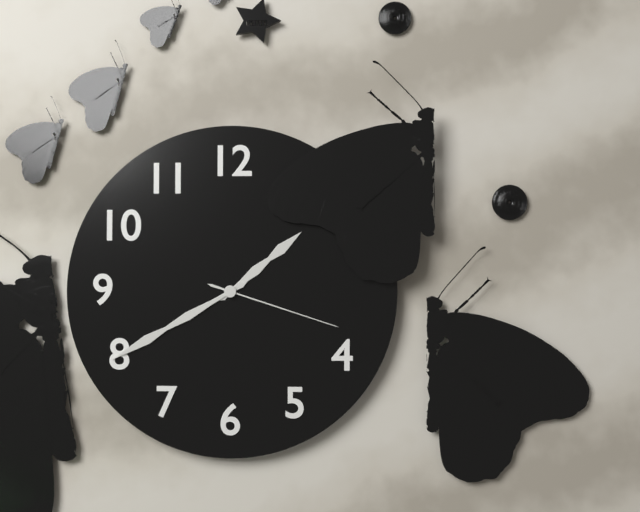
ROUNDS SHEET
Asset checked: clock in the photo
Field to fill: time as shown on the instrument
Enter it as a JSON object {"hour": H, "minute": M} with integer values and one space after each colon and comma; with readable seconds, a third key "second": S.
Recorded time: {"hour": 1, "minute": 40, "second": 18}
